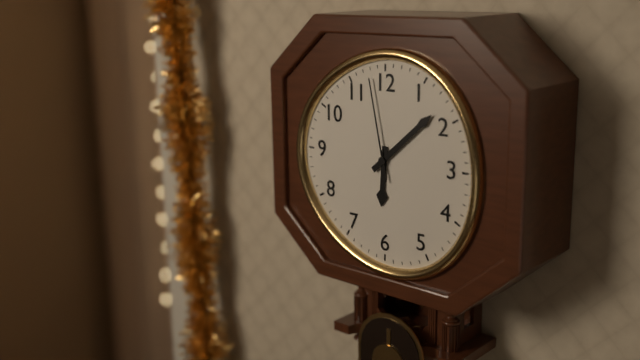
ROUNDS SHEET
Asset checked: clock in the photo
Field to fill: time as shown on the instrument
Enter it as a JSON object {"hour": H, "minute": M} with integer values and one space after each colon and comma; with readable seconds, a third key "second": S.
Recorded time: {"hour": 6, "minute": 8, "second": 58}
